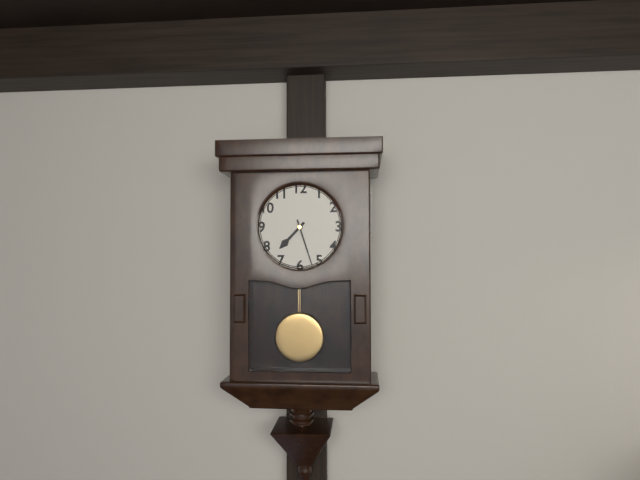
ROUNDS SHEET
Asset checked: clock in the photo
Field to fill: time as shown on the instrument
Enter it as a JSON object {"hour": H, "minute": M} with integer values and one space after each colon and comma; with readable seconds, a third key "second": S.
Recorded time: {"hour": 7, "minute": 27}
